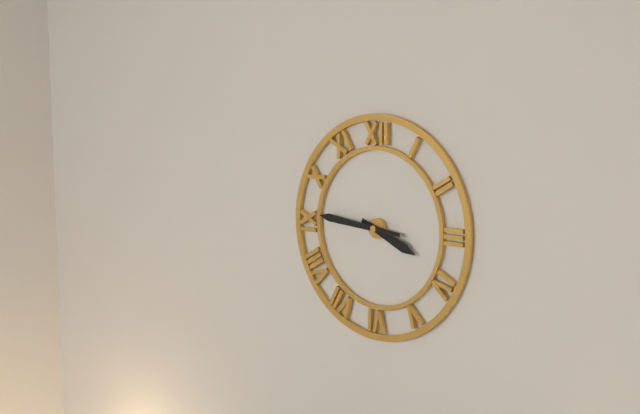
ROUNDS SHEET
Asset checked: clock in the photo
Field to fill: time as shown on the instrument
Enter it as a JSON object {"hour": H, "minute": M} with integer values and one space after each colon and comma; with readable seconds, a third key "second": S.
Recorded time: {"hour": 3, "minute": 46}
